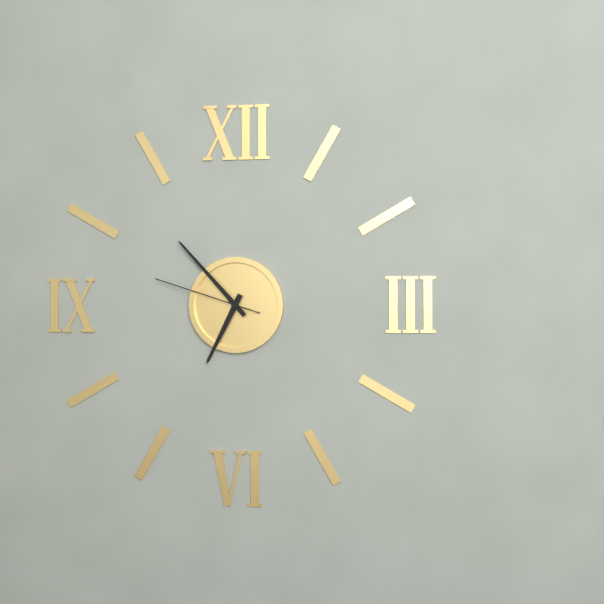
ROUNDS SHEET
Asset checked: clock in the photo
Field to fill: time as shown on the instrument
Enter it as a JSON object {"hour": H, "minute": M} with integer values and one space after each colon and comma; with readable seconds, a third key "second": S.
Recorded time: {"hour": 6, "minute": 53, "second": 48}
